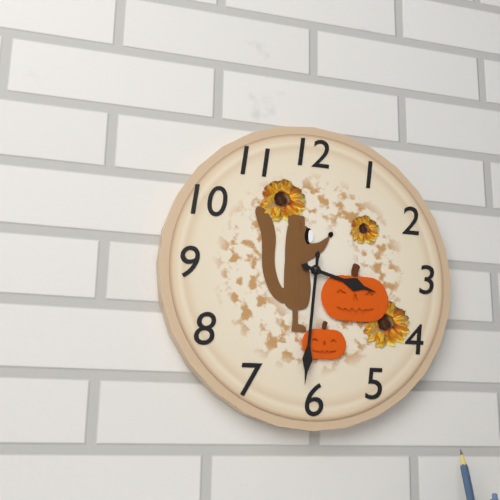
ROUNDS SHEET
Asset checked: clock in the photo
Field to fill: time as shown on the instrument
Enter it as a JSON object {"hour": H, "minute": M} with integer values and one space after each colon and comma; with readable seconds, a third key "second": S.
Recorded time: {"hour": 3, "minute": 31}
